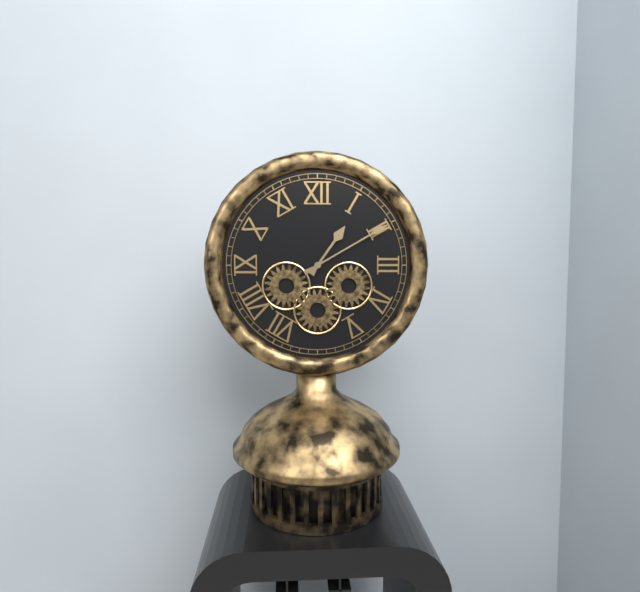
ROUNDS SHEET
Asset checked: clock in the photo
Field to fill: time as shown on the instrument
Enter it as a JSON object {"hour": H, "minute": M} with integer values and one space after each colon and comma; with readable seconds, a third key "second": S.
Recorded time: {"hour": 1, "minute": 10}
